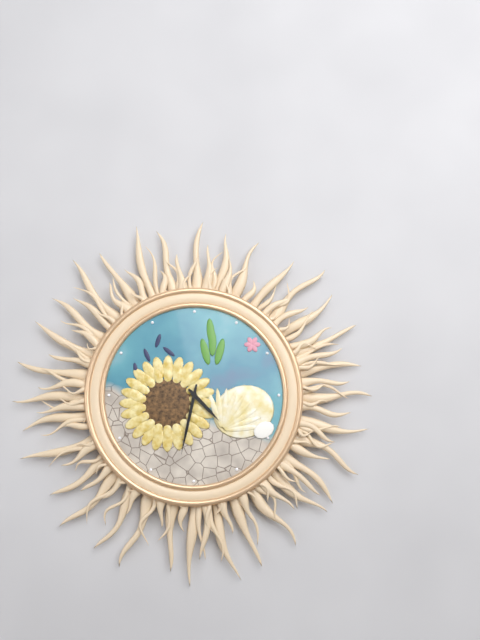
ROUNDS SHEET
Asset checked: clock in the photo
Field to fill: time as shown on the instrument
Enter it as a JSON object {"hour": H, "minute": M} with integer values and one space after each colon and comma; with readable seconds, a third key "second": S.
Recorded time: {"hour": 4, "minute": 32}
